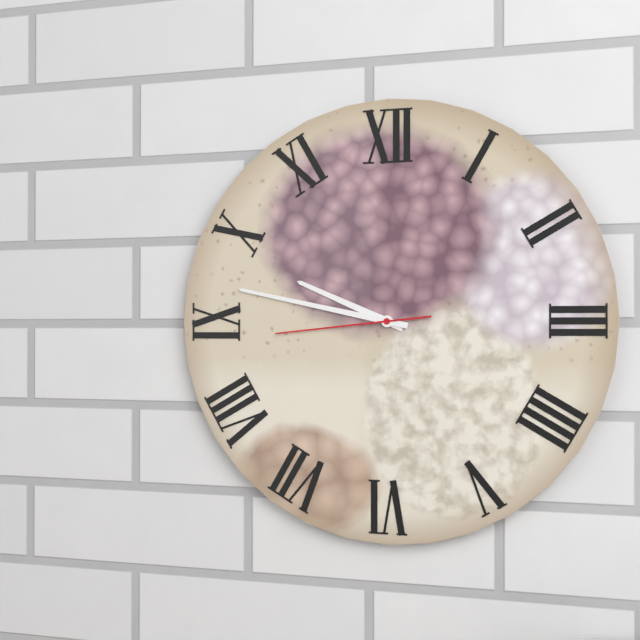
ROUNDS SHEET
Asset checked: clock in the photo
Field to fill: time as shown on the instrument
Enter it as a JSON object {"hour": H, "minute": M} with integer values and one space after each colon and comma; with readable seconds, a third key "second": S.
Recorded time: {"hour": 9, "minute": 47, "second": 44}
